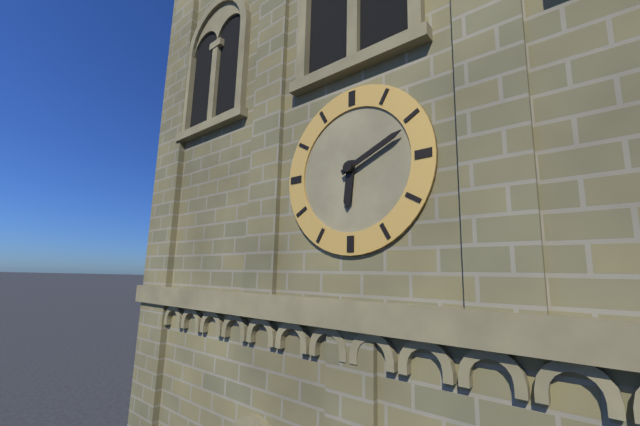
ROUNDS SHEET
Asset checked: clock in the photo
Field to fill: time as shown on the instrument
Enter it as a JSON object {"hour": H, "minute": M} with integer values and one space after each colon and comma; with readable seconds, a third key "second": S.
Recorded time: {"hour": 6, "minute": 11}
